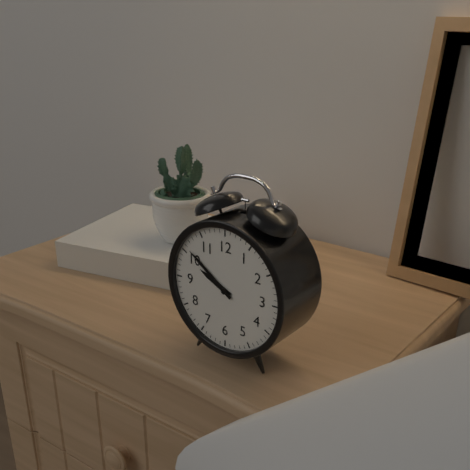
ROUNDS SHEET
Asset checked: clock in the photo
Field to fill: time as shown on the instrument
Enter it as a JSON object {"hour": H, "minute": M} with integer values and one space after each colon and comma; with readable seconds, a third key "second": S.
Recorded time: {"hour": 9, "minute": 51}
